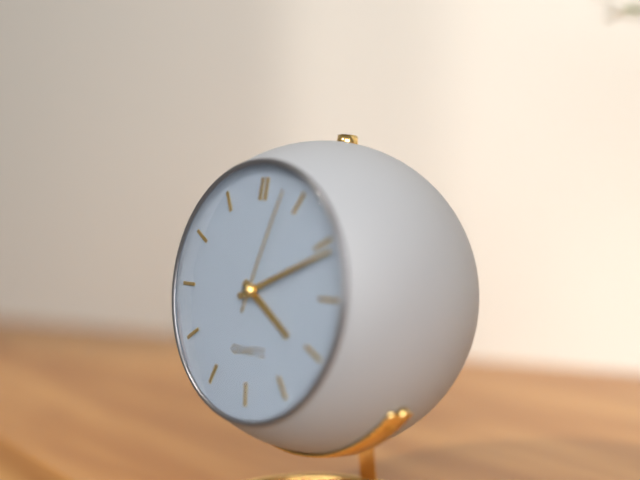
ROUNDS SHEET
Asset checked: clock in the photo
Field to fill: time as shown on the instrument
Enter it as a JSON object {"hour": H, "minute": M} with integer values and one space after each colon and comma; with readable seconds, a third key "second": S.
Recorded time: {"hour": 4, "minute": 11, "second": 3}
